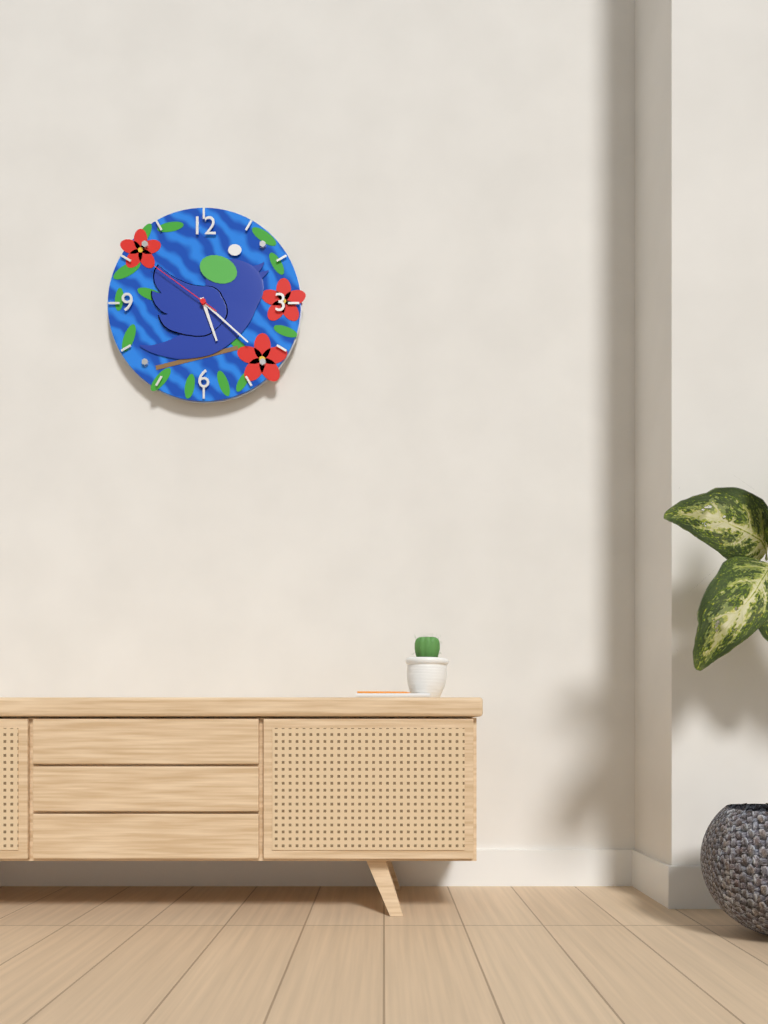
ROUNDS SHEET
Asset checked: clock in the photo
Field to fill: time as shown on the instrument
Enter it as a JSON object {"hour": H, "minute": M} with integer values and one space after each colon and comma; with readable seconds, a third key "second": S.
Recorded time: {"hour": 5, "minute": 22, "second": 51}
